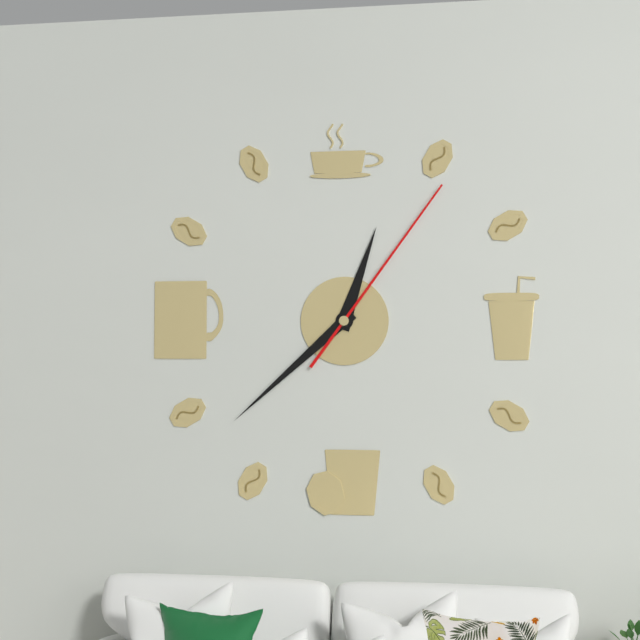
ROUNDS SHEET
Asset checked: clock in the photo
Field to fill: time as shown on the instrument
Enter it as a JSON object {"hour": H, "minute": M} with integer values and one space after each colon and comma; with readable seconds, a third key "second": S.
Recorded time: {"hour": 12, "minute": 38, "second": 6}
